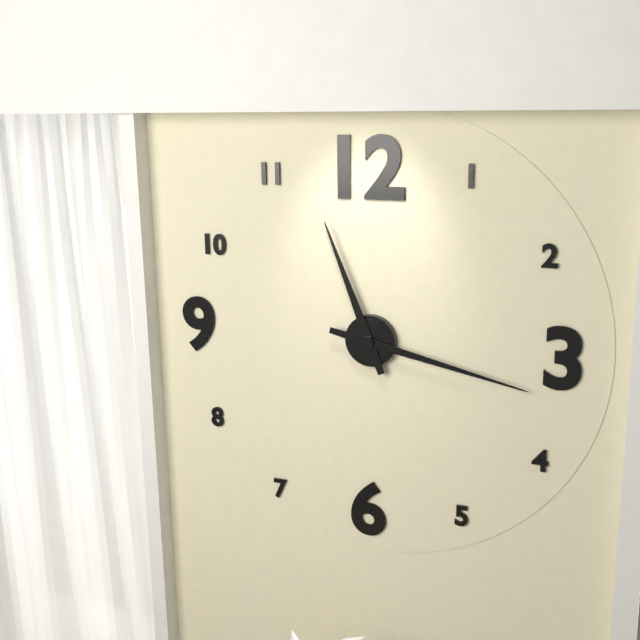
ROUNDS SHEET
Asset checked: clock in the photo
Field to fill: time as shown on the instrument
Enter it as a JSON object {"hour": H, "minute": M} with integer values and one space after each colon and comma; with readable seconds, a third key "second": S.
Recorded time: {"hour": 11, "minute": 17}
